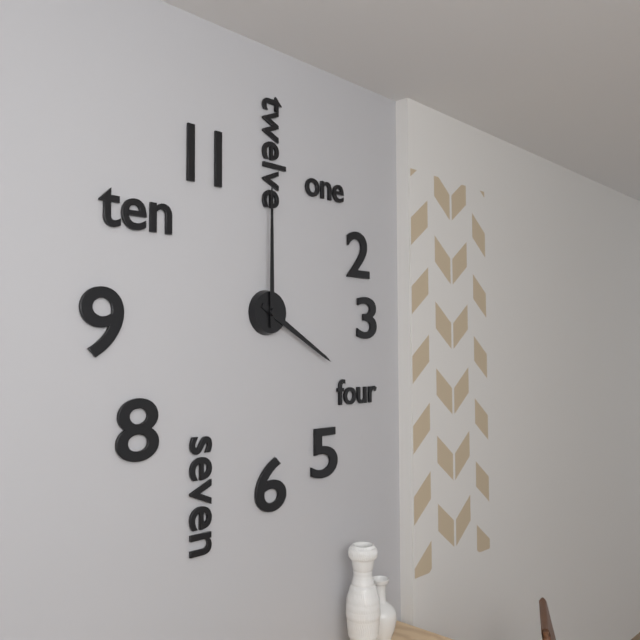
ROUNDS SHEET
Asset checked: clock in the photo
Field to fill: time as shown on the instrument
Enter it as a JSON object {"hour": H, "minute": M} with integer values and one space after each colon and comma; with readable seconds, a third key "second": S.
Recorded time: {"hour": 4, "minute": 0}
